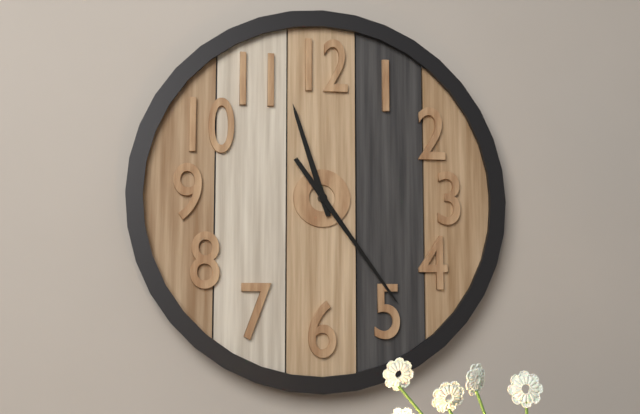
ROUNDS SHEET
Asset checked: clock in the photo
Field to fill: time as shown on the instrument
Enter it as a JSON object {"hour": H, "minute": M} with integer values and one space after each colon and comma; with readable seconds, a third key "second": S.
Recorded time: {"hour": 11, "minute": 24}
